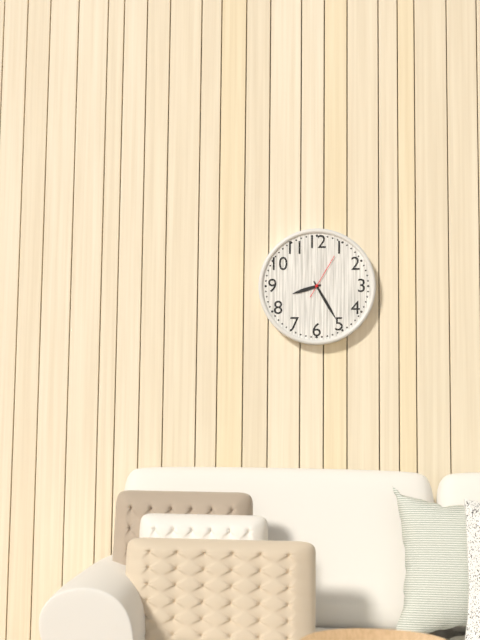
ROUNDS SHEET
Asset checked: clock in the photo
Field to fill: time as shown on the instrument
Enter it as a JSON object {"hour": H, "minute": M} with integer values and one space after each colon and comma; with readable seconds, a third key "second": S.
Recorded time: {"hour": 8, "minute": 25}
